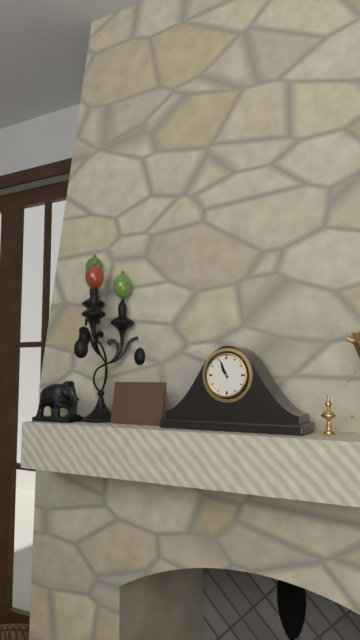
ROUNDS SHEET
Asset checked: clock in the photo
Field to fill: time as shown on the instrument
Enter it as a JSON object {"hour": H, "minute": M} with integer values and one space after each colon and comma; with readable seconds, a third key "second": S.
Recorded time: {"hour": 10, "minute": 56}
